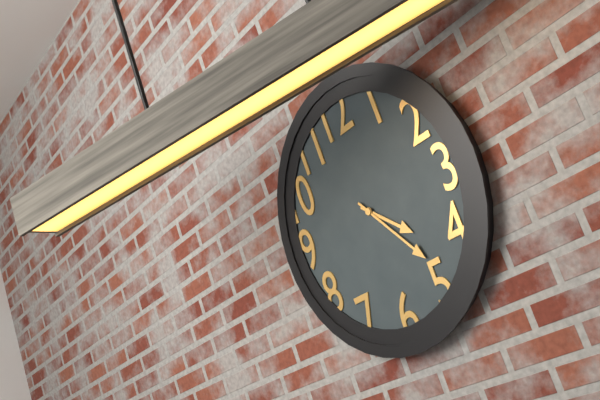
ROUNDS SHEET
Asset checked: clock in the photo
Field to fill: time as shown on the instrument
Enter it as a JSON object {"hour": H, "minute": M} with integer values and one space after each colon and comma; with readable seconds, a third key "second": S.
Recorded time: {"hour": 4, "minute": 24}
